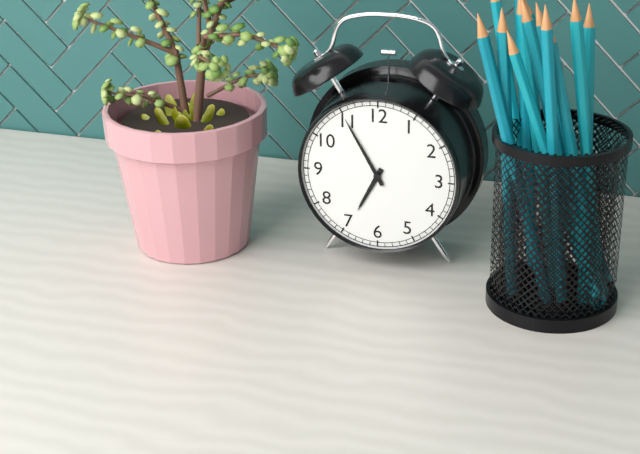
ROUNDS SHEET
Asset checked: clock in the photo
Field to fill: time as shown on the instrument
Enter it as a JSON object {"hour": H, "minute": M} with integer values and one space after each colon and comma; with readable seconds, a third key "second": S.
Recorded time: {"hour": 6, "minute": 55}
